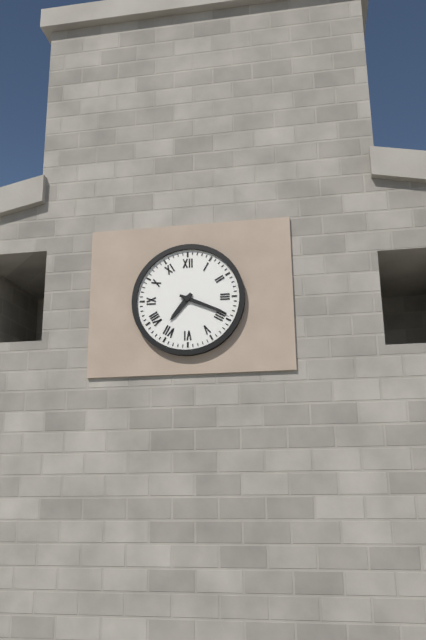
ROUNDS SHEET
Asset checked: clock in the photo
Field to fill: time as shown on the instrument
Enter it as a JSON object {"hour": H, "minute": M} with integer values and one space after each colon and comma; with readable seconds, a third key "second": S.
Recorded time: {"hour": 7, "minute": 19}
